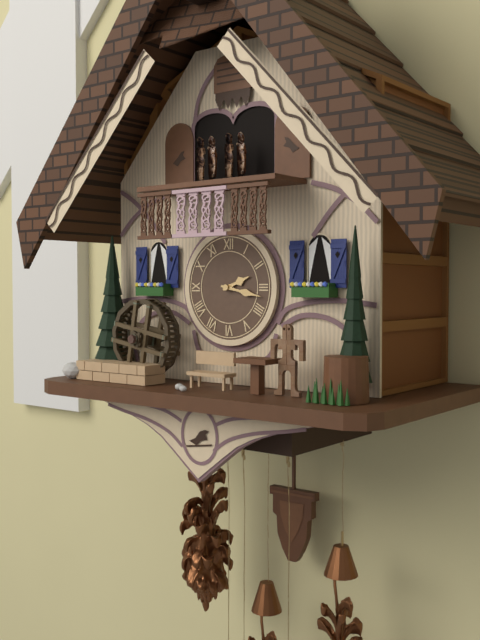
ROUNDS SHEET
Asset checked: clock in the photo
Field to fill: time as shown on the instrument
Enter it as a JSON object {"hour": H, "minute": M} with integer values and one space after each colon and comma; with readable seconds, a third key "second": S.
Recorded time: {"hour": 2, "minute": 17}
